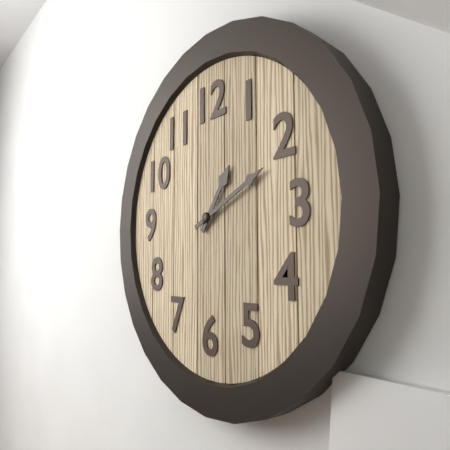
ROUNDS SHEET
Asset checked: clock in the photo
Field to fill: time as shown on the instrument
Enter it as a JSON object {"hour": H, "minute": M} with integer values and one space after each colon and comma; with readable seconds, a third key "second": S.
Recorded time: {"hour": 1, "minute": 11}
